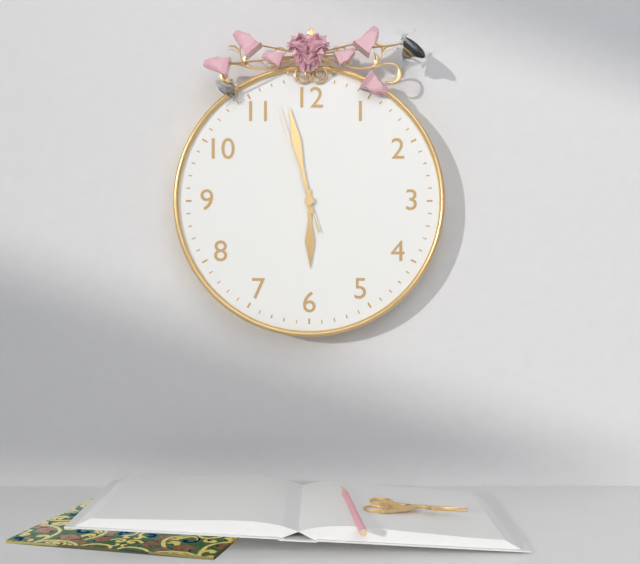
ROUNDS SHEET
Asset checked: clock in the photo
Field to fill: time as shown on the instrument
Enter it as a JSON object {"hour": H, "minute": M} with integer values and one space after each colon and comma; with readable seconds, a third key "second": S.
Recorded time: {"hour": 5, "minute": 58, "second": 57}
